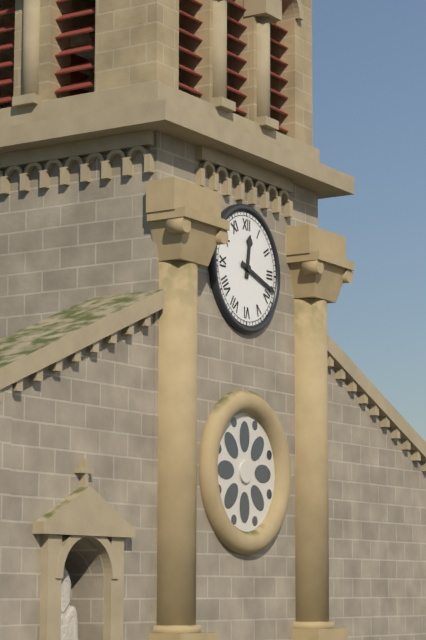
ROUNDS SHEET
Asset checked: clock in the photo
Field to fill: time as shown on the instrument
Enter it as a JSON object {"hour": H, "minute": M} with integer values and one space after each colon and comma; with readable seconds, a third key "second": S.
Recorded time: {"hour": 12, "minute": 18}
